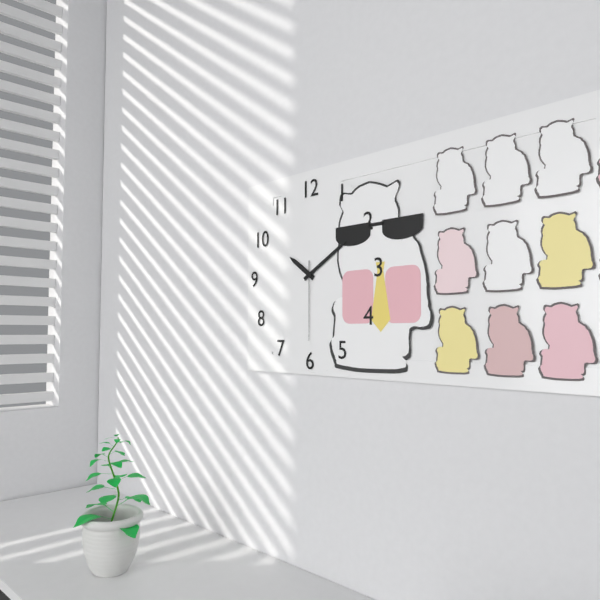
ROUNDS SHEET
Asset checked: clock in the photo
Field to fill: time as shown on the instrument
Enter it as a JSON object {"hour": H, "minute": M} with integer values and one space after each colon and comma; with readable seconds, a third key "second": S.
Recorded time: {"hour": 10, "minute": 10, "second": 30}
